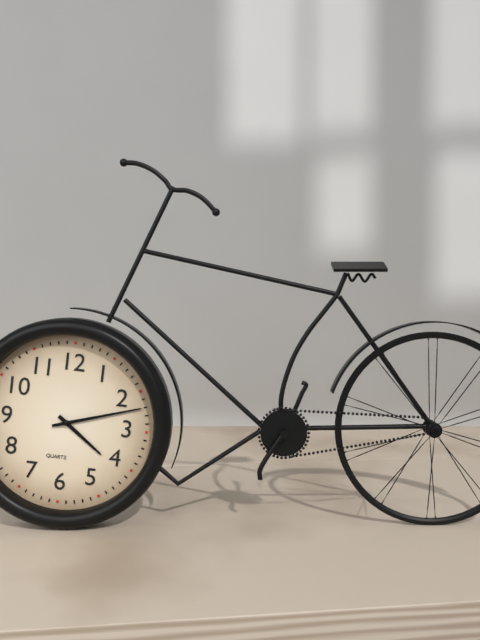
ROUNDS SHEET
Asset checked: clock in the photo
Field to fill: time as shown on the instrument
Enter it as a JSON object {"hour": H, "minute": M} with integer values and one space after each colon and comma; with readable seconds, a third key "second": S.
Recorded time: {"hour": 4, "minute": 12}
